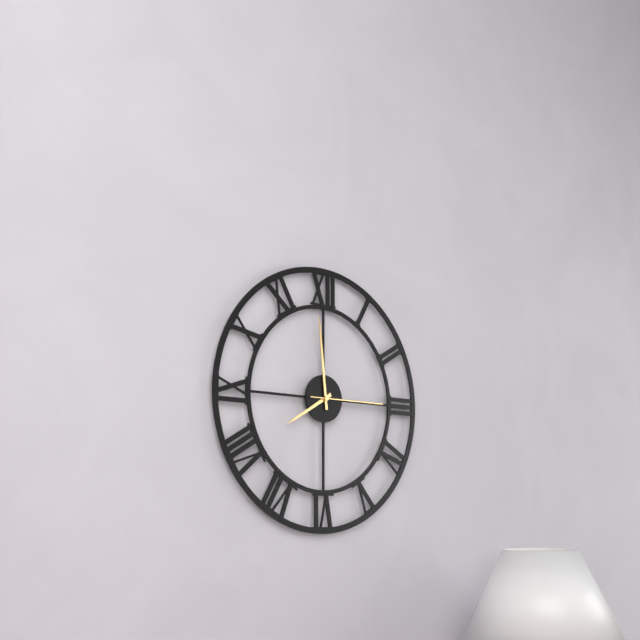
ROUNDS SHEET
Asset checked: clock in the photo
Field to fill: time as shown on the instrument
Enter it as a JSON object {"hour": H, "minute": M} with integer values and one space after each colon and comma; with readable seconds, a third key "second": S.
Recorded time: {"hour": 7, "minute": 59, "second": 15}
